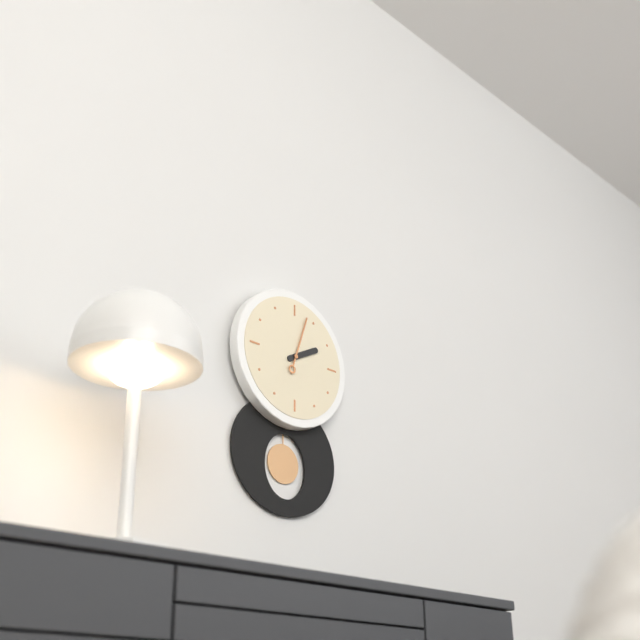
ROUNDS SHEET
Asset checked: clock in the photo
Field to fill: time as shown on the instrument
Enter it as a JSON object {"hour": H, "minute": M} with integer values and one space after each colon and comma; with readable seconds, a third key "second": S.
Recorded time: {"hour": 2, "minute": 3}
